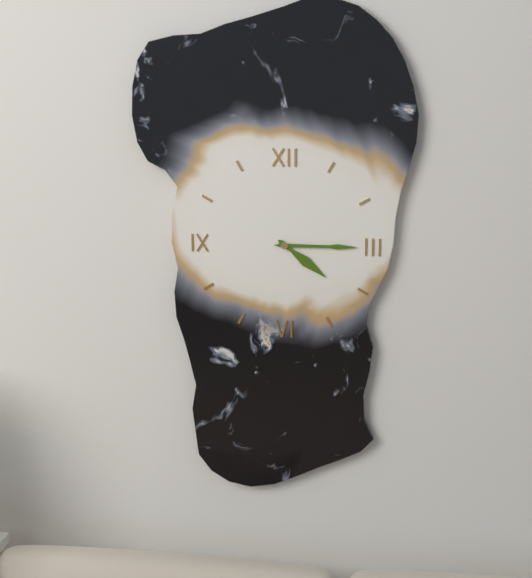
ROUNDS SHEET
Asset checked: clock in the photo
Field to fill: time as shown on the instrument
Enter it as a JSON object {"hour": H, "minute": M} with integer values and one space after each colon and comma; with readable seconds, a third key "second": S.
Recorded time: {"hour": 4, "minute": 15}
